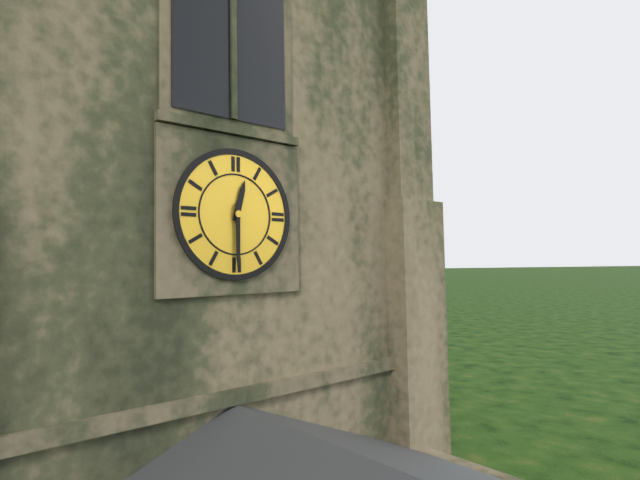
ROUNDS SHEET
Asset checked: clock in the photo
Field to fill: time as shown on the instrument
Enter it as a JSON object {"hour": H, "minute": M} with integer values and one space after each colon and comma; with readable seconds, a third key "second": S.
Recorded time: {"hour": 12, "minute": 30}
